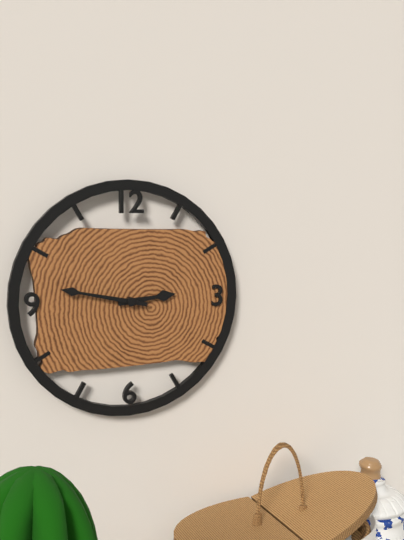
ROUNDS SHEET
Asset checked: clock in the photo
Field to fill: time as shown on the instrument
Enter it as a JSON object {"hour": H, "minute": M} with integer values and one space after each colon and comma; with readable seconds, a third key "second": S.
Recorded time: {"hour": 2, "minute": 47}
